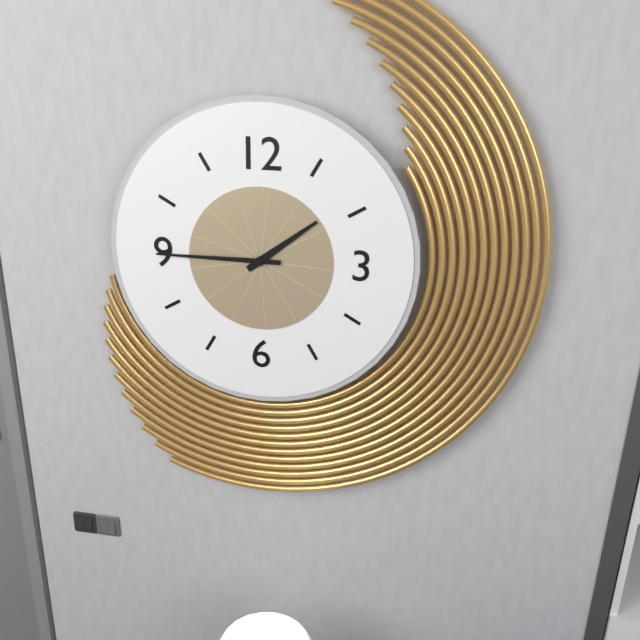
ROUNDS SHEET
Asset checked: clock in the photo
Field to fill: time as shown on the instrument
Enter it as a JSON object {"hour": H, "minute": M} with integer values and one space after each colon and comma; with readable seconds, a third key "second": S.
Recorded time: {"hour": 1, "minute": 45}
